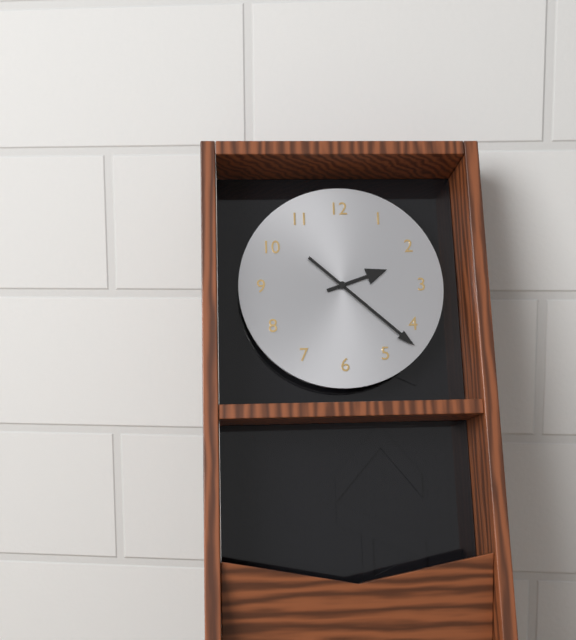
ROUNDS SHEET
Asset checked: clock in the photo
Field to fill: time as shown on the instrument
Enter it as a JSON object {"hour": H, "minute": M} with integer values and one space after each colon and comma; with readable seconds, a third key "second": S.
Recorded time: {"hour": 2, "minute": 22}
